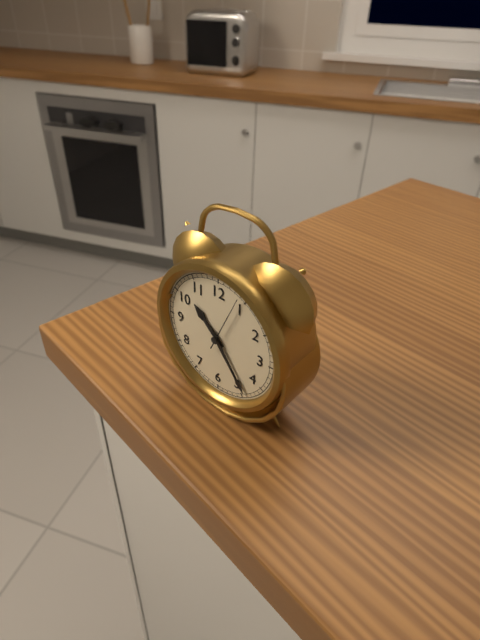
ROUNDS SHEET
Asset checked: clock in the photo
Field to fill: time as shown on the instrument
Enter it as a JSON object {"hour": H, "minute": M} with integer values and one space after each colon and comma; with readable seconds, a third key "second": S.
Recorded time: {"hour": 10, "minute": 24, "second": 4}
